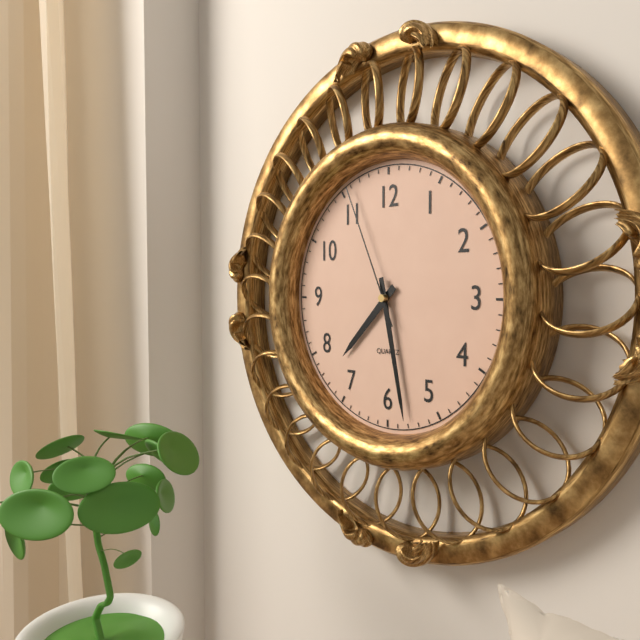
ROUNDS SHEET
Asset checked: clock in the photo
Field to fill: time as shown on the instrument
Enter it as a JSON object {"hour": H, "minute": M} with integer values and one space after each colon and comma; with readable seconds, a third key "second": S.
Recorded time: {"hour": 7, "minute": 28, "second": 56}
